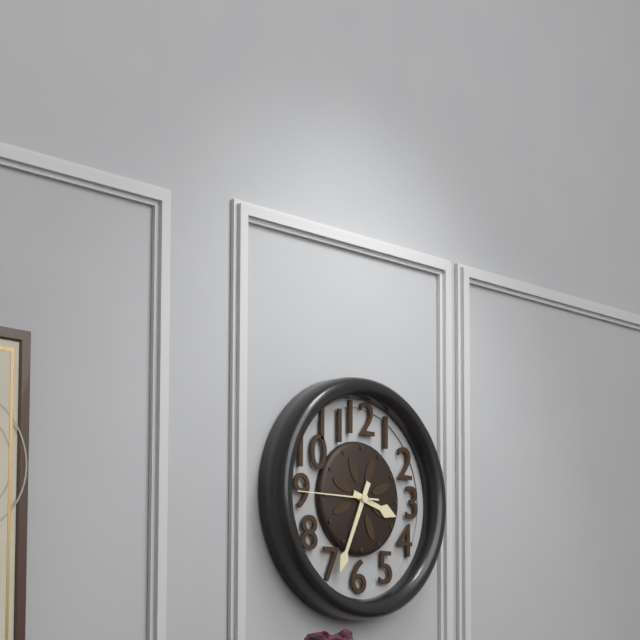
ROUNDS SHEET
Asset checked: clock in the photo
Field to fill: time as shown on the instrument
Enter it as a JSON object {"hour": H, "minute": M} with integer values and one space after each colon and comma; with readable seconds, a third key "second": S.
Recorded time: {"hour": 3, "minute": 34, "second": 45}
